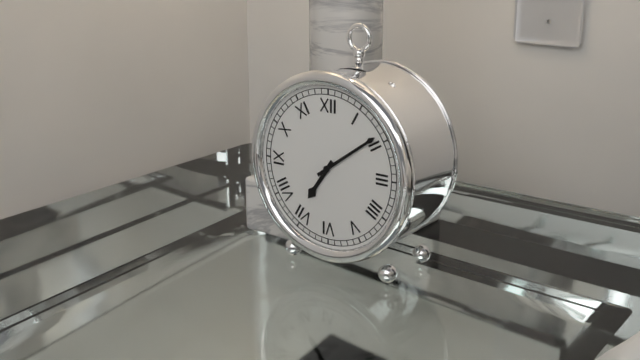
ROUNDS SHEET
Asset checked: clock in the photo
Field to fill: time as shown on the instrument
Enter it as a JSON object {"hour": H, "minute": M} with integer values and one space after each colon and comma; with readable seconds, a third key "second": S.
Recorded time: {"hour": 7, "minute": 9}
